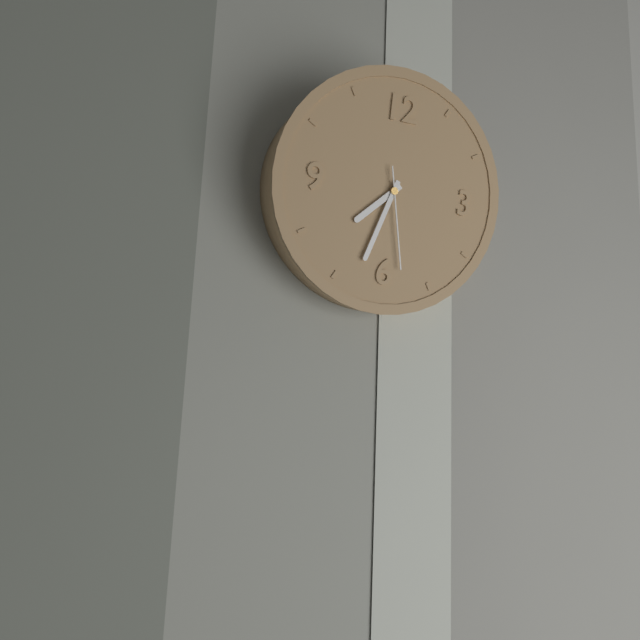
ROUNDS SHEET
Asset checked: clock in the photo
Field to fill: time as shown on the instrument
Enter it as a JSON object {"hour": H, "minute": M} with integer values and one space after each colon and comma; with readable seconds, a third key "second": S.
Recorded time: {"hour": 7, "minute": 33, "second": 28}
